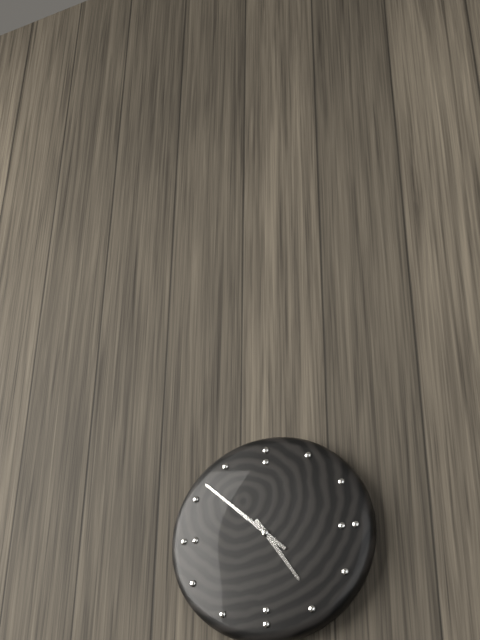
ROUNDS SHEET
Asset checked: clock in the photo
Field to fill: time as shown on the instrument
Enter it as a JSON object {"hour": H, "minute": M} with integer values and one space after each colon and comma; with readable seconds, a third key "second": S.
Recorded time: {"hour": 4, "minute": 52}
